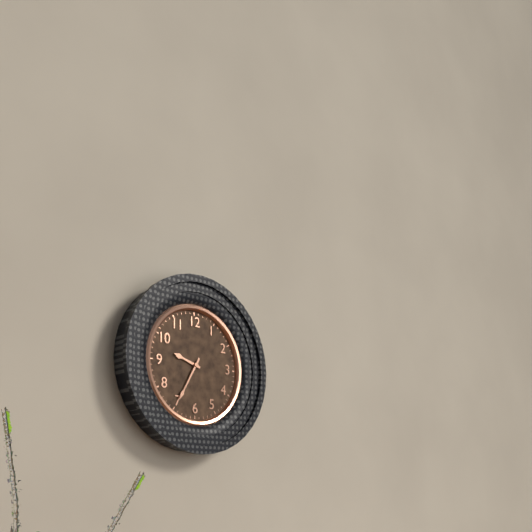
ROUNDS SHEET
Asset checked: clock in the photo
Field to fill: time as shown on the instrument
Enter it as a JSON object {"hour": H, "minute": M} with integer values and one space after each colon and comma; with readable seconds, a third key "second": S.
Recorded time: {"hour": 9, "minute": 35}
